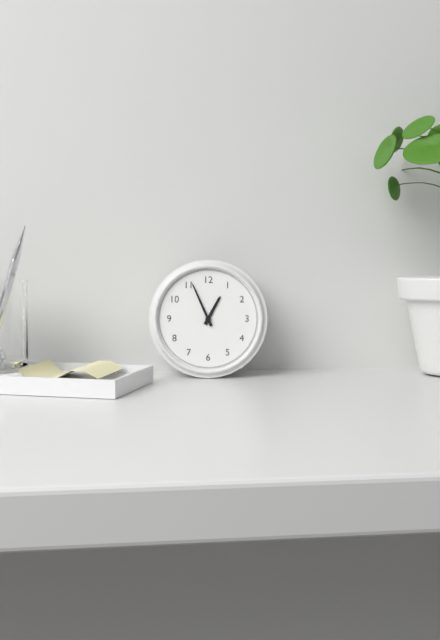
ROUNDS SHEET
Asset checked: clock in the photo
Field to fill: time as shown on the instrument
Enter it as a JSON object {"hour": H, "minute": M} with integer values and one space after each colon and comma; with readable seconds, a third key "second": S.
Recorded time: {"hour": 12, "minute": 56}
